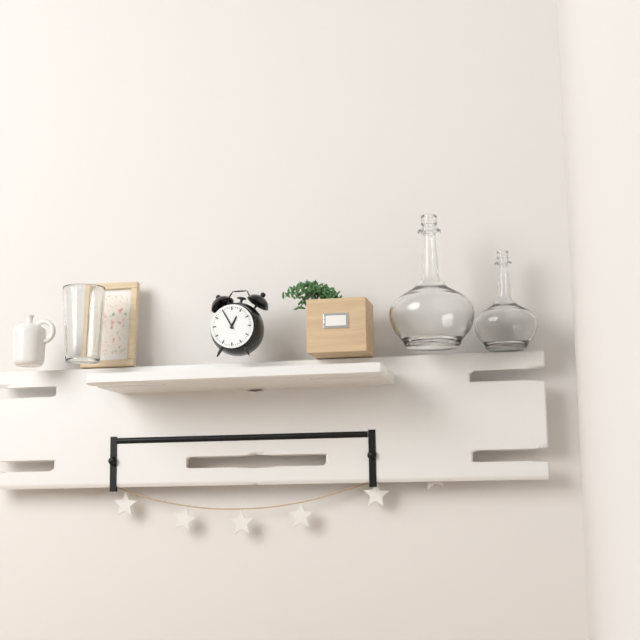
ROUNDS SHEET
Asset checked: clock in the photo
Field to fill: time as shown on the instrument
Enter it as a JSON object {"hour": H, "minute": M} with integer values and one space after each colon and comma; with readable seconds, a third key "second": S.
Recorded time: {"hour": 12, "minute": 55}
